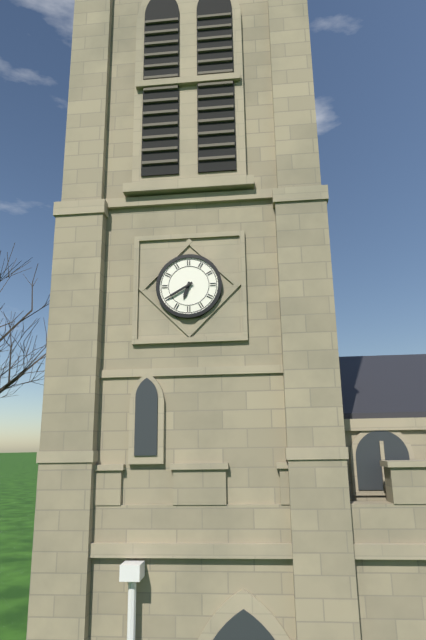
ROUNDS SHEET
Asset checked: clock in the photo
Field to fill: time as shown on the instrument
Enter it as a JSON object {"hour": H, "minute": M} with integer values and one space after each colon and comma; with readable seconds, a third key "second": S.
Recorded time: {"hour": 6, "minute": 40}
